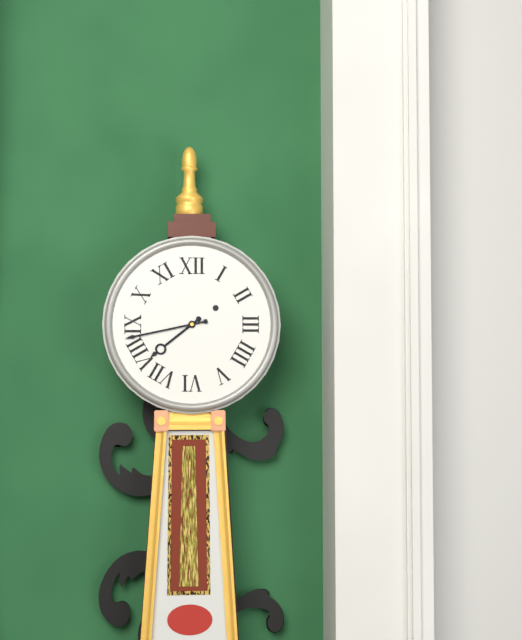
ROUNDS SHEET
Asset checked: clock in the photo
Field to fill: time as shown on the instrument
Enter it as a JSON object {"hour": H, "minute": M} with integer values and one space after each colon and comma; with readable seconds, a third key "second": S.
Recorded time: {"hour": 7, "minute": 43}
